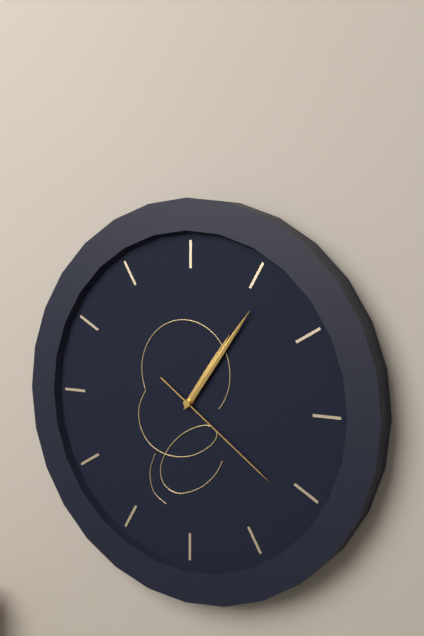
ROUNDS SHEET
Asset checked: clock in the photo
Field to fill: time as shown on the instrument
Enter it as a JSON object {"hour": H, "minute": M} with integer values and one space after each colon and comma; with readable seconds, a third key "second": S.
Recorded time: {"hour": 1, "minute": 6, "second": 21}
